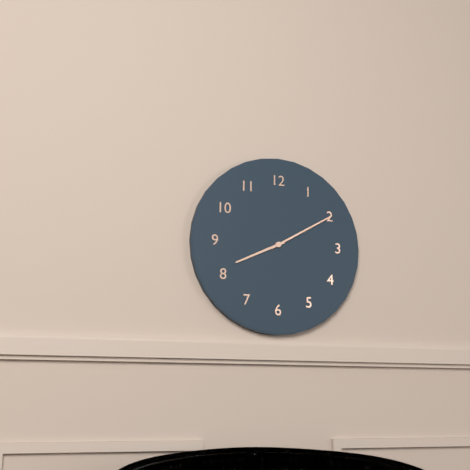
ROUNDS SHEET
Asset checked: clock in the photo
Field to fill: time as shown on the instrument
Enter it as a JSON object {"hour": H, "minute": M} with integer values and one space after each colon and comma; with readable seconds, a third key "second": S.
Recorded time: {"hour": 8, "minute": 10}
